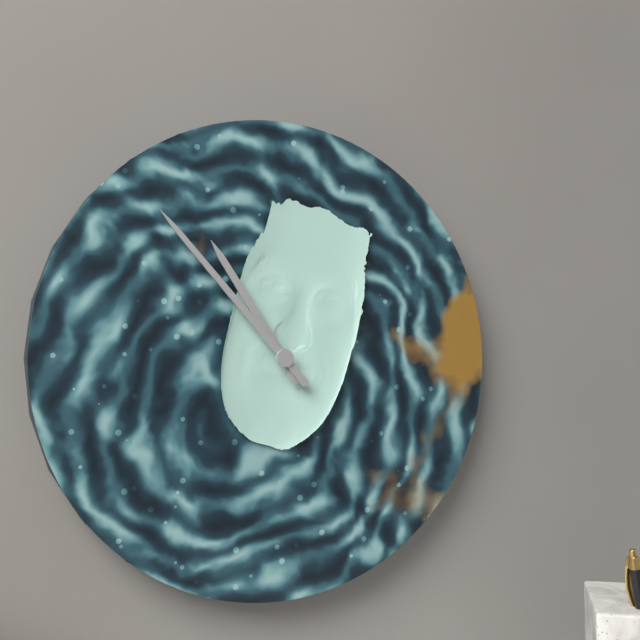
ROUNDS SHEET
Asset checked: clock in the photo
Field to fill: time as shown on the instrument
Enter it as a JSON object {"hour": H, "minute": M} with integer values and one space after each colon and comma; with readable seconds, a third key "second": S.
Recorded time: {"hour": 10, "minute": 53}
